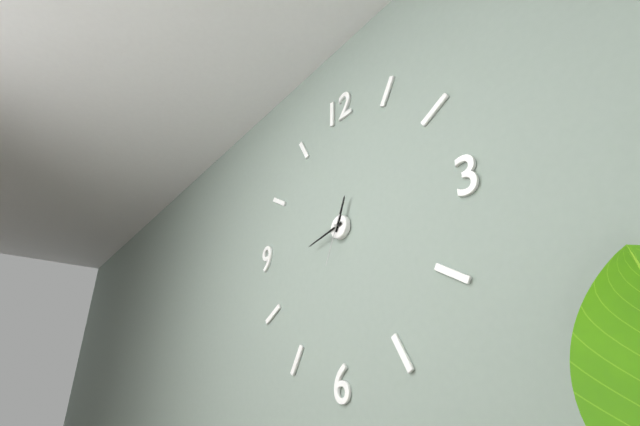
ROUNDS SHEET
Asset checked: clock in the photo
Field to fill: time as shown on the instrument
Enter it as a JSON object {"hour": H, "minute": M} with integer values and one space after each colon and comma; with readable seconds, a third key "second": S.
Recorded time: {"hour": 12, "minute": 43, "second": 34}
